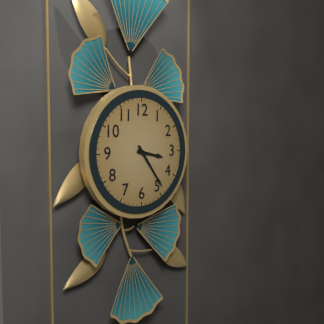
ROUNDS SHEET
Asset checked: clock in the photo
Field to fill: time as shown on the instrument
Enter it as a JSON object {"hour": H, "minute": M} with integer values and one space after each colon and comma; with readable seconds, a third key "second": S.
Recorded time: {"hour": 3, "minute": 24}
